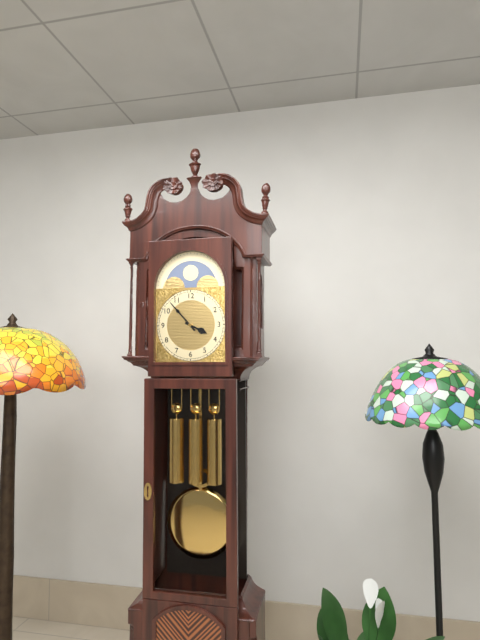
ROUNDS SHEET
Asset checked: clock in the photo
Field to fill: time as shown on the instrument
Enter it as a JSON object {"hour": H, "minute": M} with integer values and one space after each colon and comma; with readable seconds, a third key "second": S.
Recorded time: {"hour": 3, "minute": 53}
